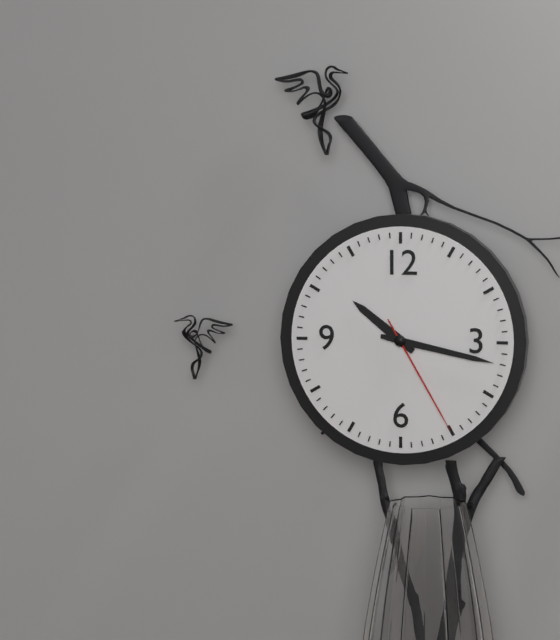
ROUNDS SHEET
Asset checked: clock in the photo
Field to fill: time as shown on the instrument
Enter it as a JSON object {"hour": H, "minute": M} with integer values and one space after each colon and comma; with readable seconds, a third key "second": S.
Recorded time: {"hour": 10, "minute": 17, "second": 25}
